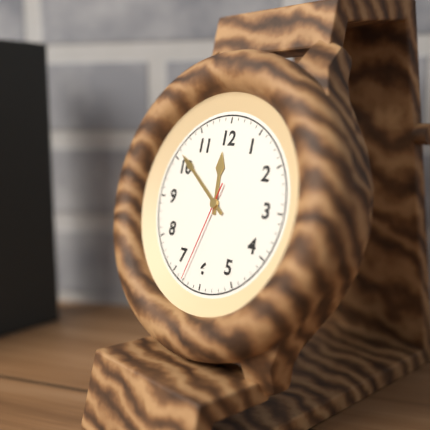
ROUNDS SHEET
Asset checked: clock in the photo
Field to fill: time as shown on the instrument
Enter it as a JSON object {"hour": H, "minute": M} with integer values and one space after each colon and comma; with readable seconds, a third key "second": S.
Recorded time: {"hour": 11, "minute": 51, "second": 33}
